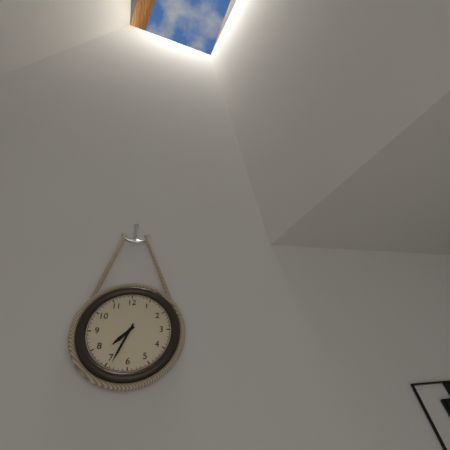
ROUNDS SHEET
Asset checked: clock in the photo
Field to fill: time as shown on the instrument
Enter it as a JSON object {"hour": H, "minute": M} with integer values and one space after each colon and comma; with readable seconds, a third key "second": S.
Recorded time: {"hour": 7, "minute": 34}
